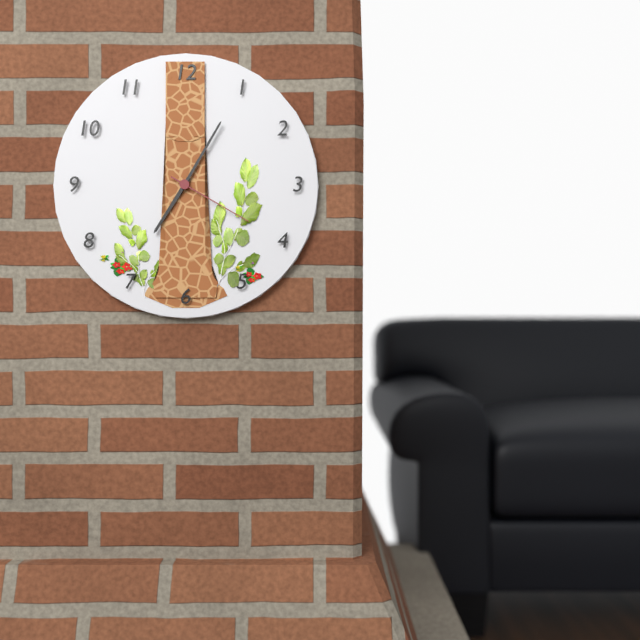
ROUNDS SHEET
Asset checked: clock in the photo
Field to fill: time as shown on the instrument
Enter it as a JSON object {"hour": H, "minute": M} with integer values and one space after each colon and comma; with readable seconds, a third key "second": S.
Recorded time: {"hour": 7, "minute": 5, "second": 20}
